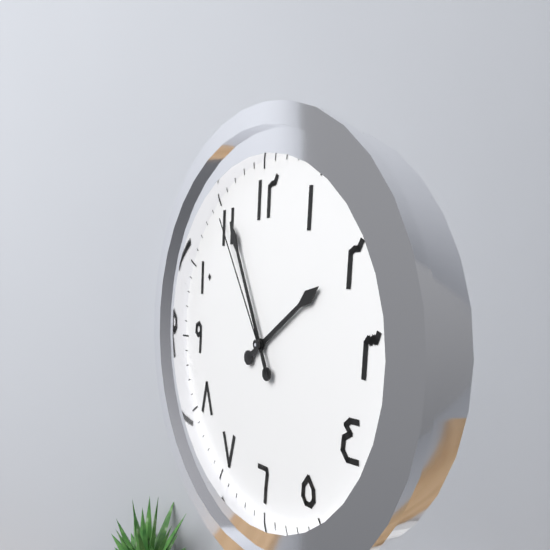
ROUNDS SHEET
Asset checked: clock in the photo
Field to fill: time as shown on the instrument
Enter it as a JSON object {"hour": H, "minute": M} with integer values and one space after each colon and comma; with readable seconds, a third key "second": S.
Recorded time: {"hour": 1, "minute": 56, "second": 55}
